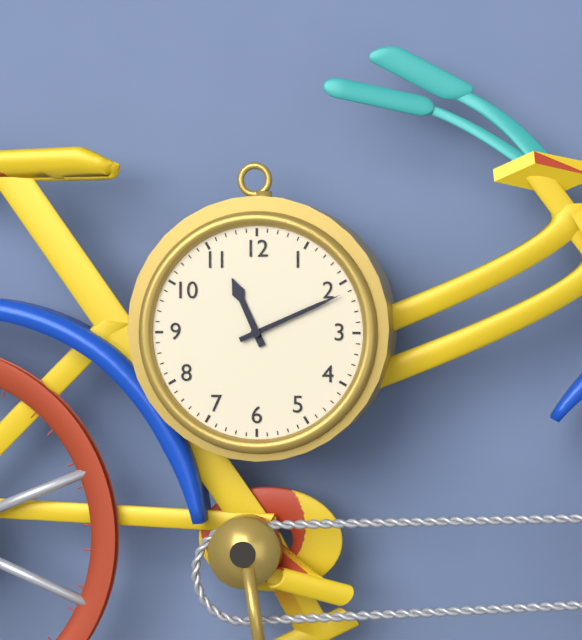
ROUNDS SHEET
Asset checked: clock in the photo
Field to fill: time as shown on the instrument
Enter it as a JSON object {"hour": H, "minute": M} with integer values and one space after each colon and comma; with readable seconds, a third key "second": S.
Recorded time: {"hour": 11, "minute": 11}
